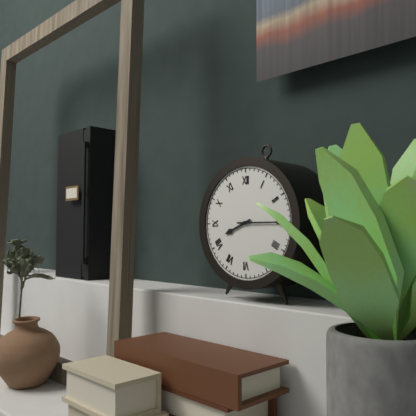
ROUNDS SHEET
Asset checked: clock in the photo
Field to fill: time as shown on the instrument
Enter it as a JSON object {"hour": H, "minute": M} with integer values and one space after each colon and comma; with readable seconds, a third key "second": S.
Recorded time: {"hour": 8, "minute": 15}
